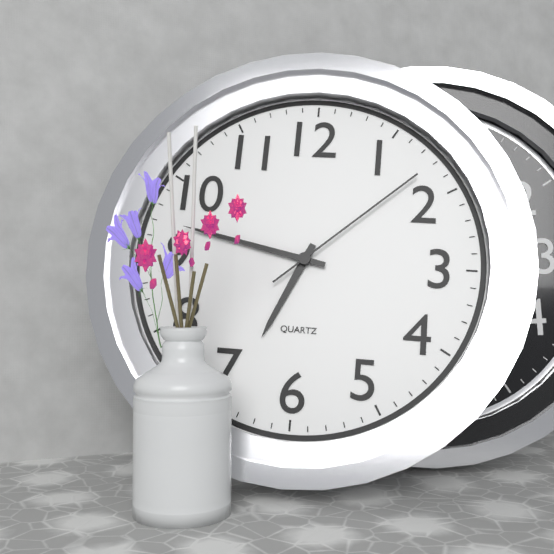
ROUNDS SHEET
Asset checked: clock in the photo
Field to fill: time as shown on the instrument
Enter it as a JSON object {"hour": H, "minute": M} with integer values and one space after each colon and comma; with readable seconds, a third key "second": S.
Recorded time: {"hour": 6, "minute": 47, "second": 8}
